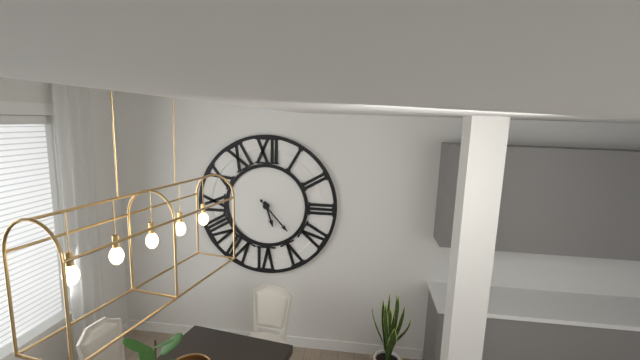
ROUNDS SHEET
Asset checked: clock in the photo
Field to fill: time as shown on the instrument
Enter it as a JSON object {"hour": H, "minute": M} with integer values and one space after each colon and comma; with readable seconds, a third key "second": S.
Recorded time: {"hour": 5, "minute": 23}
